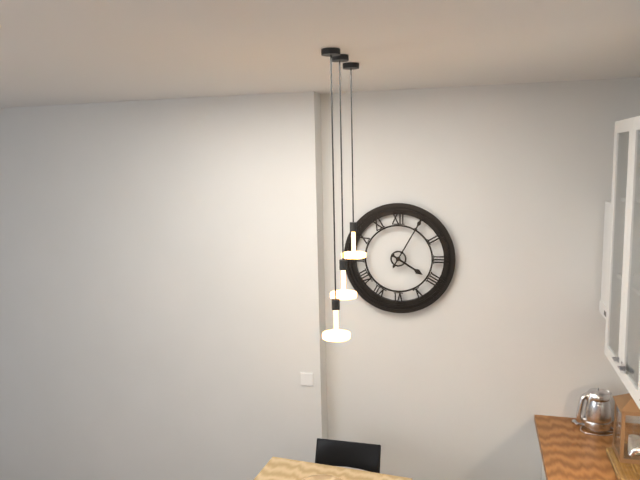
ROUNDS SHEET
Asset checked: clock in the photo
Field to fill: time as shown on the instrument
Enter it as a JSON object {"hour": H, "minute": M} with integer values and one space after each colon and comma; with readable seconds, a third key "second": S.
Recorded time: {"hour": 4, "minute": 5}
